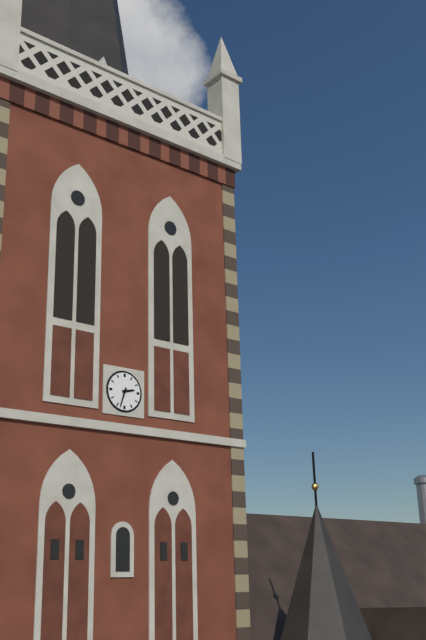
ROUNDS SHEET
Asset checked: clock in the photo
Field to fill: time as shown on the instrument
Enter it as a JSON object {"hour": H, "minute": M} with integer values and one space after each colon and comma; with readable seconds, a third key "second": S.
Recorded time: {"hour": 2, "minute": 33}
